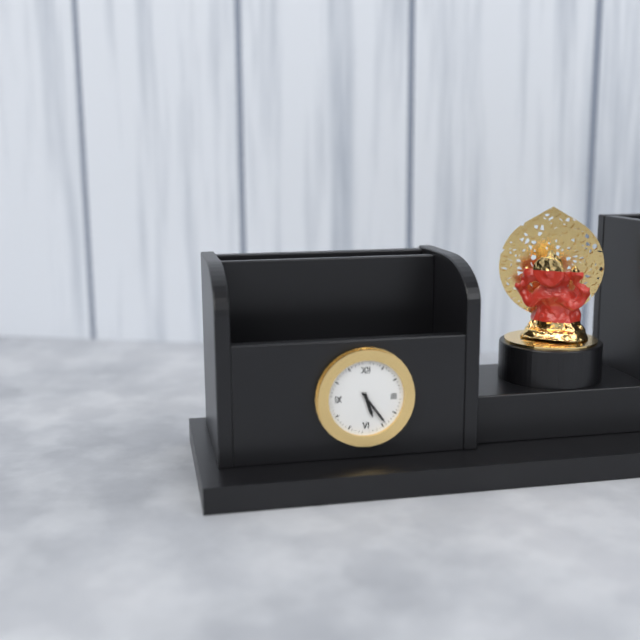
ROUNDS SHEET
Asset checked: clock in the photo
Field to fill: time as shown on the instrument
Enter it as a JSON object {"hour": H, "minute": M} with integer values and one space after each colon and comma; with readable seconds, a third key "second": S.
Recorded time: {"hour": 5, "minute": 24}
